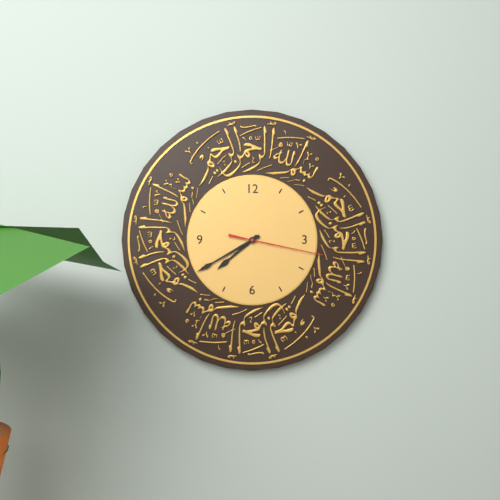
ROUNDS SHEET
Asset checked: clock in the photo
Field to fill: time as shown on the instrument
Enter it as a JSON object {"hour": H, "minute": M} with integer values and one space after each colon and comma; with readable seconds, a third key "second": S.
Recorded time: {"hour": 7, "minute": 40, "second": 17}
